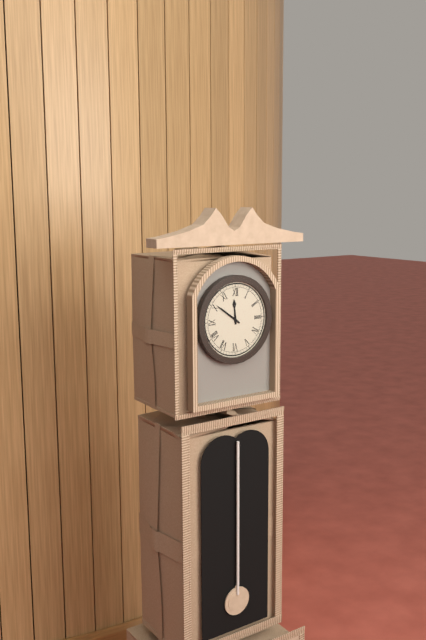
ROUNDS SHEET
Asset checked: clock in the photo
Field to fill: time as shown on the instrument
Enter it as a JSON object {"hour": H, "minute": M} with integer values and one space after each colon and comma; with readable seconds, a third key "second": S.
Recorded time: {"hour": 11, "minute": 51}
